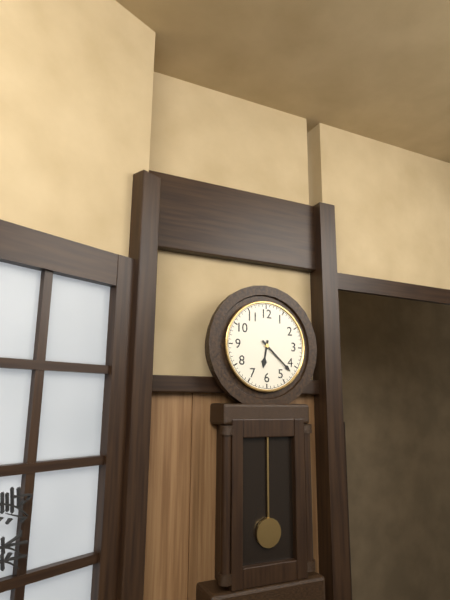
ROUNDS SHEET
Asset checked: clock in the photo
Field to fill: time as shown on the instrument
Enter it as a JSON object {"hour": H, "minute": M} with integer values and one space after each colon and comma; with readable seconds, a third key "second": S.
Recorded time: {"hour": 6, "minute": 22}
